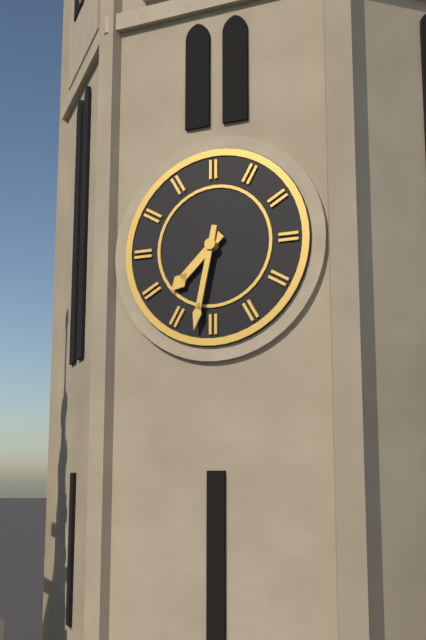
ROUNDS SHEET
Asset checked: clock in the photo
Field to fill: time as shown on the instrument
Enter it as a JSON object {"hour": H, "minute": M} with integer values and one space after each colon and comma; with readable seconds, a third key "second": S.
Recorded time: {"hour": 7, "minute": 32}
